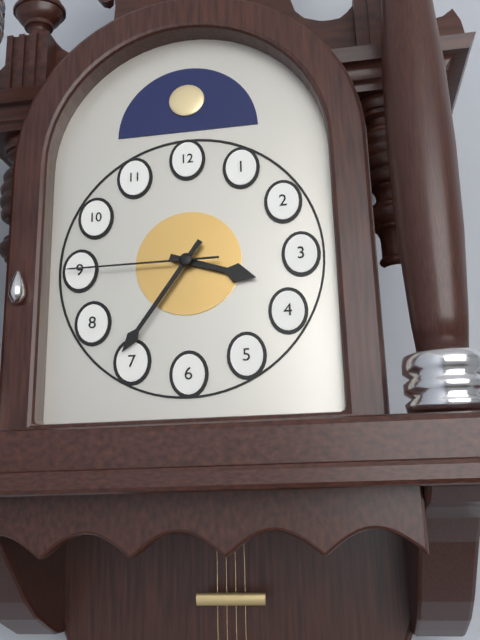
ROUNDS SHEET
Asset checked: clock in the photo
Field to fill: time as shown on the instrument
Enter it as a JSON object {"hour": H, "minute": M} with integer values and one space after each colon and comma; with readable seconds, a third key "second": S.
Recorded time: {"hour": 3, "minute": 36, "second": 45}
